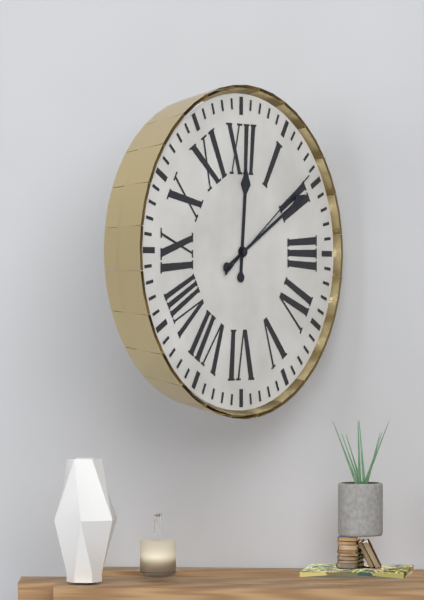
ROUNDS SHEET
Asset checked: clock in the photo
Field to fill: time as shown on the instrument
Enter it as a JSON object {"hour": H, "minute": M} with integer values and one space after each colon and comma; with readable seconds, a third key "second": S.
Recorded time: {"hour": 12, "minute": 10, "second": 9}
